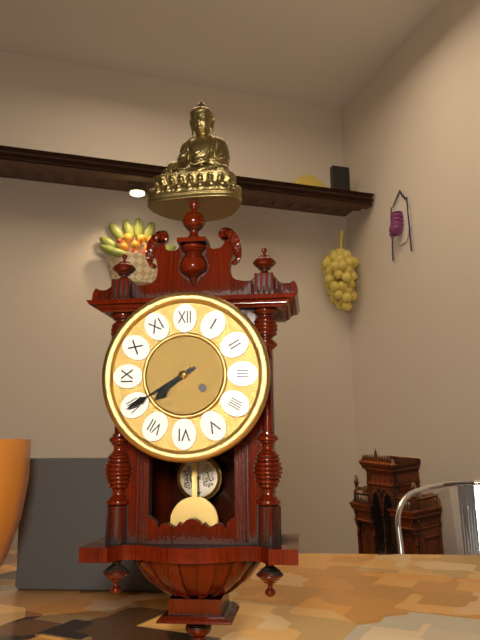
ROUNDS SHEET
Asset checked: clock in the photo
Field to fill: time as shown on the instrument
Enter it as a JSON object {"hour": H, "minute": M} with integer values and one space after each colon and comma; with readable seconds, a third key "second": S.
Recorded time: {"hour": 7, "minute": 40}
